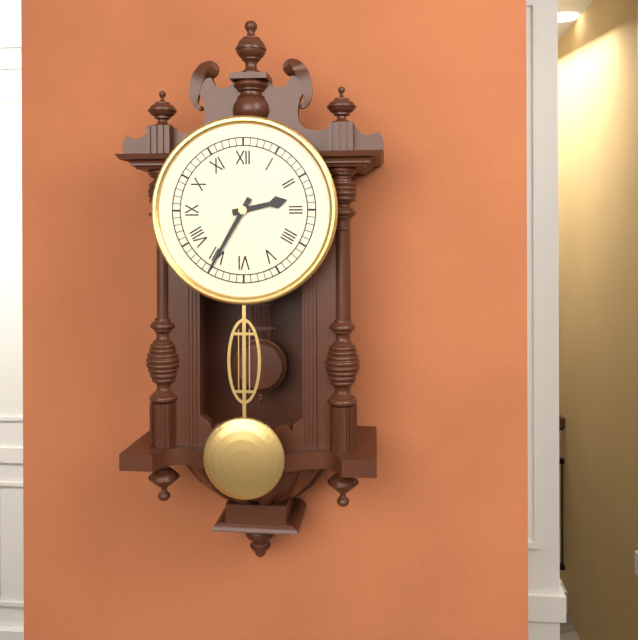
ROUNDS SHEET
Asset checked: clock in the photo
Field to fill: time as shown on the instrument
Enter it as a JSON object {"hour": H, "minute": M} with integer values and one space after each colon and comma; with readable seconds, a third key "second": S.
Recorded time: {"hour": 2, "minute": 35}
